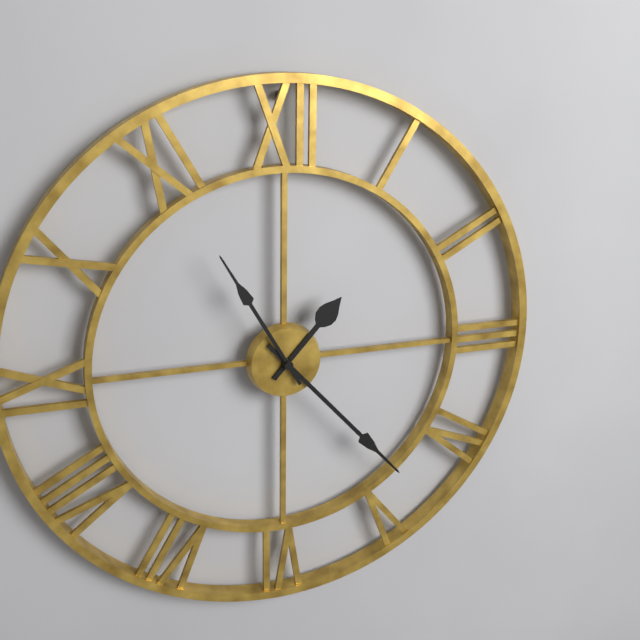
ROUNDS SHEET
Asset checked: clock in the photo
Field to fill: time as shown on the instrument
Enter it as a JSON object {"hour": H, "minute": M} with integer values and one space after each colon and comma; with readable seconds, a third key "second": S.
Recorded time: {"hour": 1, "minute": 23, "second": 55}
